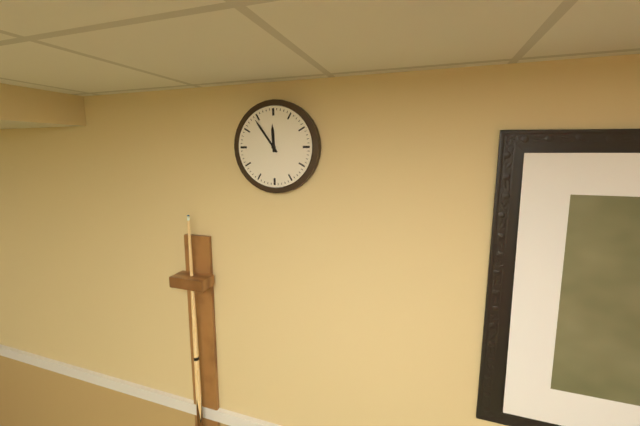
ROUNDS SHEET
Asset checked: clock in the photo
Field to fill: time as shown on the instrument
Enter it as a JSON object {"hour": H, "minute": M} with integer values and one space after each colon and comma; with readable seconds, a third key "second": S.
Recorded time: {"hour": 11, "minute": 54}
